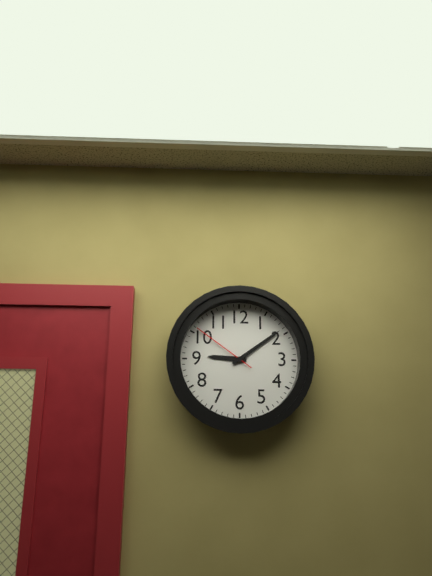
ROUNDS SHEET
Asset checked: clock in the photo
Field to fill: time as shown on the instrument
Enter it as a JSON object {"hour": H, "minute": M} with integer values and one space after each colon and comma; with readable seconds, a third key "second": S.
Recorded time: {"hour": 9, "minute": 9, "second": 51}
